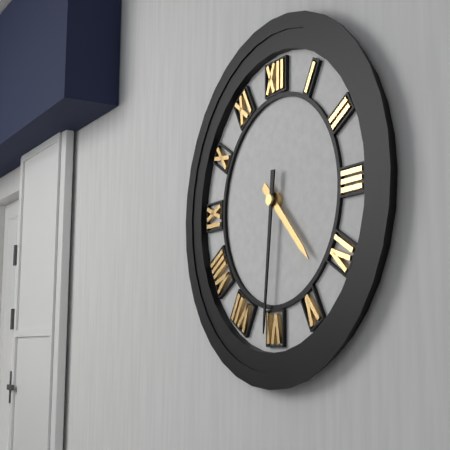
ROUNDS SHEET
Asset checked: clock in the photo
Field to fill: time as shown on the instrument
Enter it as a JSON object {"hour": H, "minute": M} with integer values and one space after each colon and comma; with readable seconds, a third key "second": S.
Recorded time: {"hour": 4, "minute": 31}
